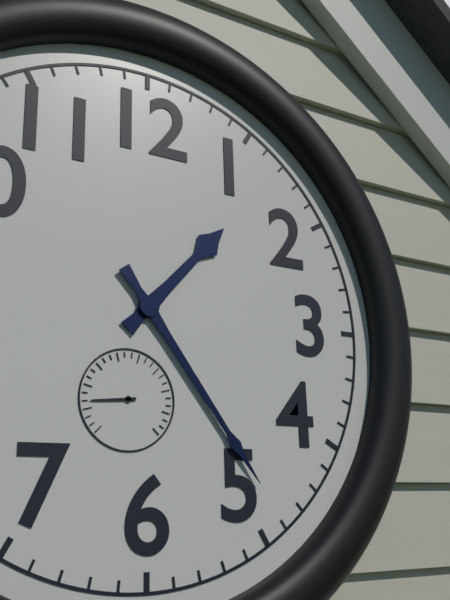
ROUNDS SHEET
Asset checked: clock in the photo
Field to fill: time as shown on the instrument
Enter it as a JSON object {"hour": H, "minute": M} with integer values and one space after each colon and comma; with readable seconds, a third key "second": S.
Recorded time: {"hour": 1, "minute": 24}
